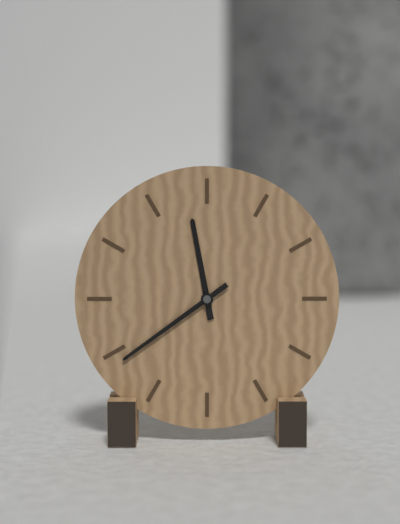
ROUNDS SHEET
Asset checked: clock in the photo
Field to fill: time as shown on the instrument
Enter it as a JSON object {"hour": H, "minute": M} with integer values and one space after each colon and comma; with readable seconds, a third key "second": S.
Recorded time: {"hour": 11, "minute": 39}
